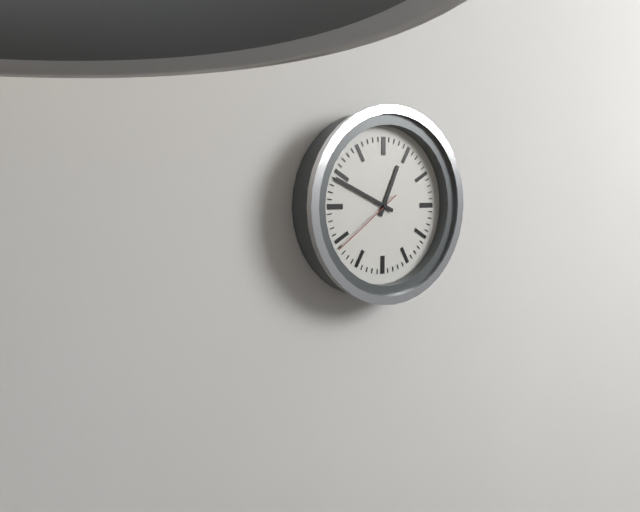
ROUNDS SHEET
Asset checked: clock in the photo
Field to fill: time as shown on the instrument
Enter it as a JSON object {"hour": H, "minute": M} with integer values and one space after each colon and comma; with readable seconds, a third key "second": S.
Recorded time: {"hour": 12, "minute": 49, "second": 39}
